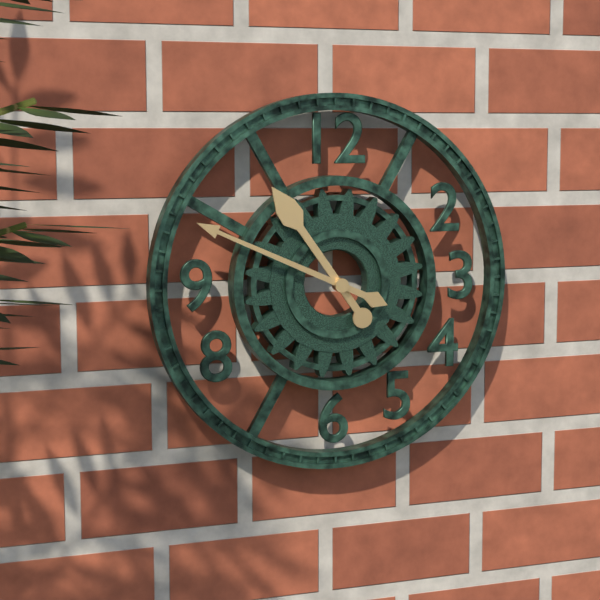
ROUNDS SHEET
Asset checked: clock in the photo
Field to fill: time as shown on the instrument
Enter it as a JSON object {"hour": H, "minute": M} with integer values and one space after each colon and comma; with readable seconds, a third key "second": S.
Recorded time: {"hour": 10, "minute": 49}
